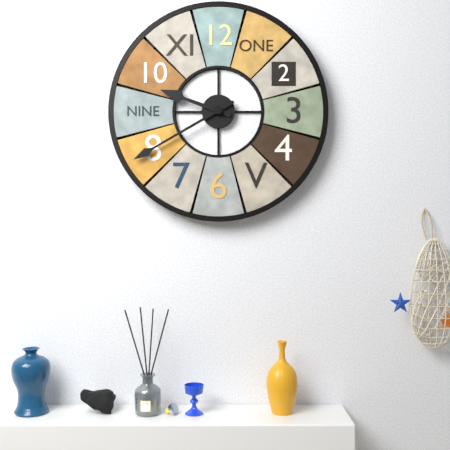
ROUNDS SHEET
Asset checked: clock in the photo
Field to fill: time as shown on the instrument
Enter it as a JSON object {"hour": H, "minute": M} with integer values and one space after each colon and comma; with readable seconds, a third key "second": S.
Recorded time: {"hour": 9, "minute": 40}
